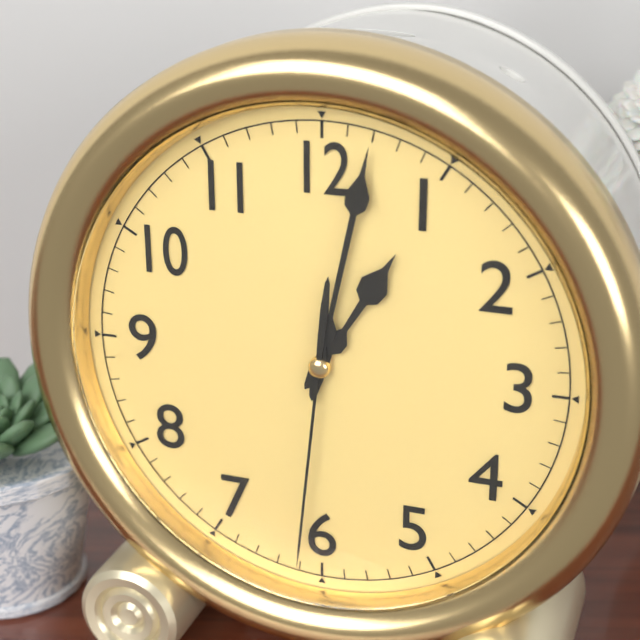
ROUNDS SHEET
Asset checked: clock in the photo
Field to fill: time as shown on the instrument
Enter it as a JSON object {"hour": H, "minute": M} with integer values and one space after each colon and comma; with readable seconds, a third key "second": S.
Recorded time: {"hour": 1, "minute": 2, "second": 31}
